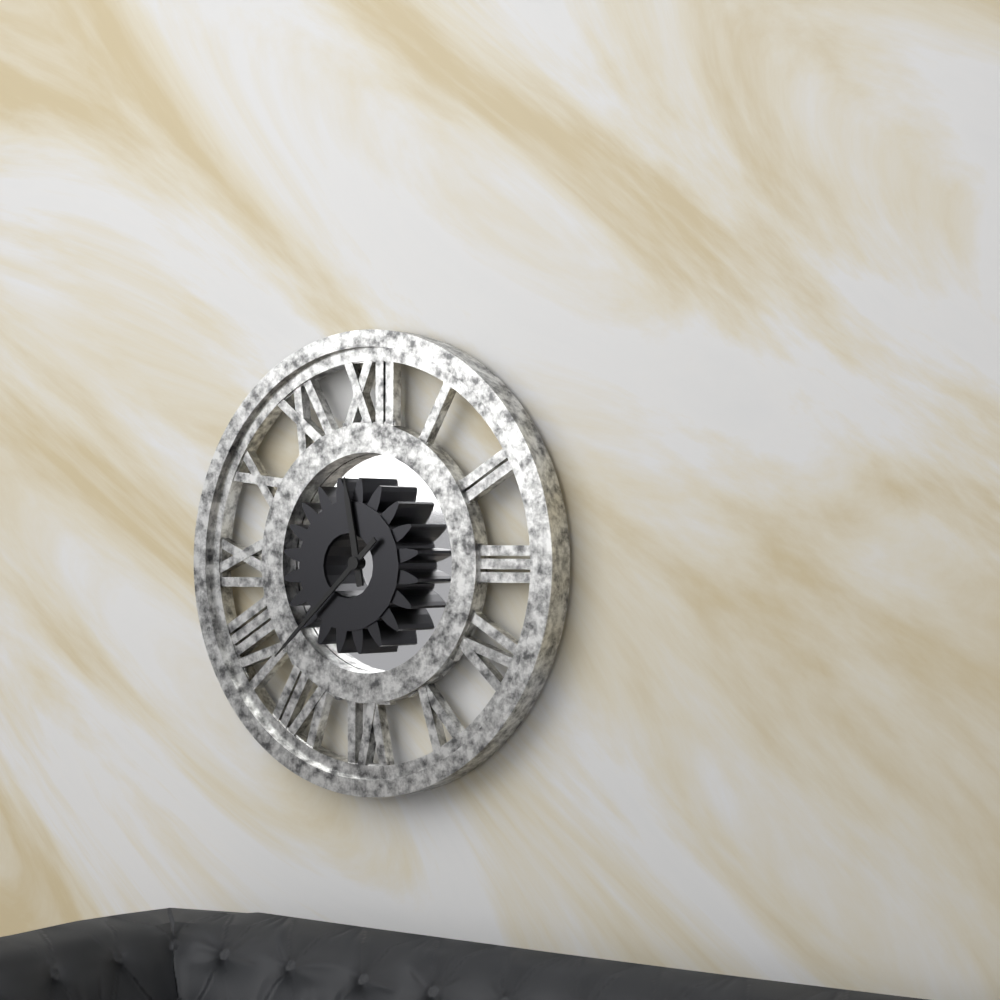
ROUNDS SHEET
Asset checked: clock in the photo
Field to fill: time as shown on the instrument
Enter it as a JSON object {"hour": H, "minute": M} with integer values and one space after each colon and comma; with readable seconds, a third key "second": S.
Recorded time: {"hour": 11, "minute": 38}
